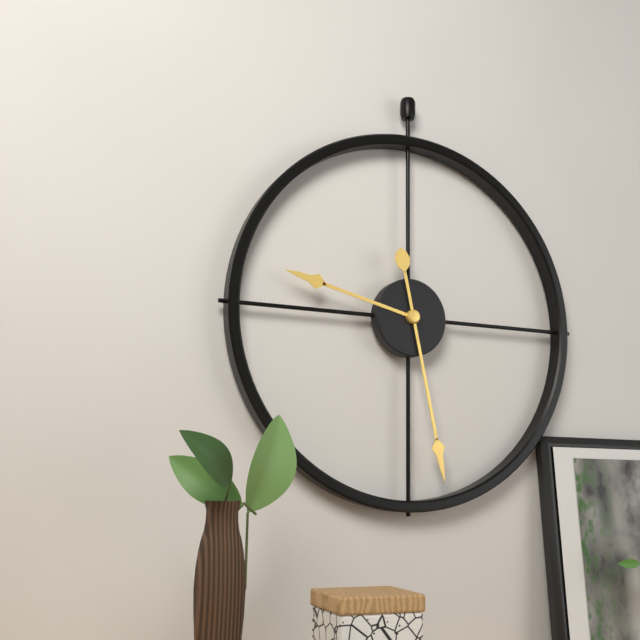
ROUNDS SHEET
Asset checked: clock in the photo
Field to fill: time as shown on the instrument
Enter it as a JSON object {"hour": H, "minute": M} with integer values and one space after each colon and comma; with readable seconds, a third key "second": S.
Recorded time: {"hour": 9, "minute": 28}
